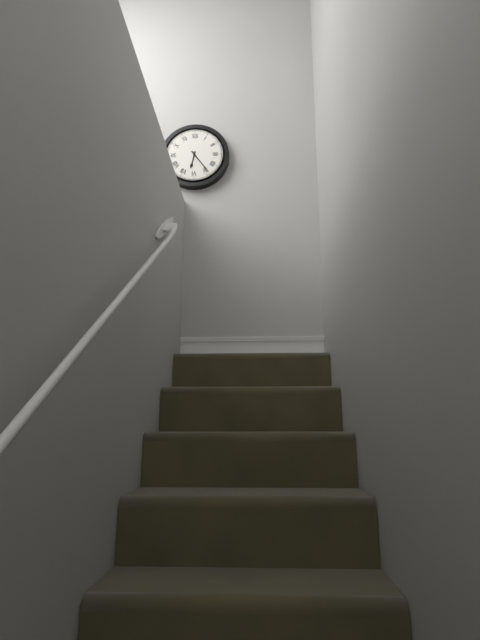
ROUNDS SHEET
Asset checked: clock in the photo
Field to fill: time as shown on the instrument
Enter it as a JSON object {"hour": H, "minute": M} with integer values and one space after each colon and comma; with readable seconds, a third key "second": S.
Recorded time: {"hour": 6, "minute": 24}
